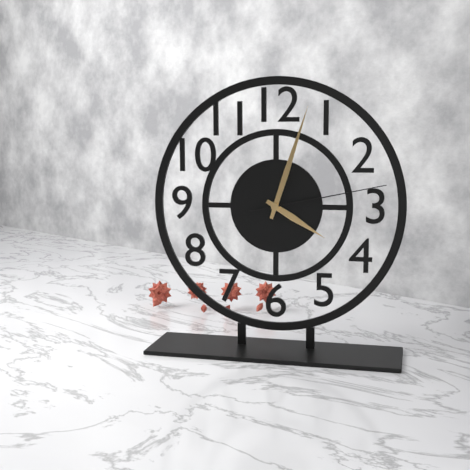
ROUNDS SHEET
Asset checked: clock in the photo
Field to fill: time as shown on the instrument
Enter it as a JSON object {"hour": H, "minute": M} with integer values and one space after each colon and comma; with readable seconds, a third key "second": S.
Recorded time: {"hour": 4, "minute": 3, "second": 13}
